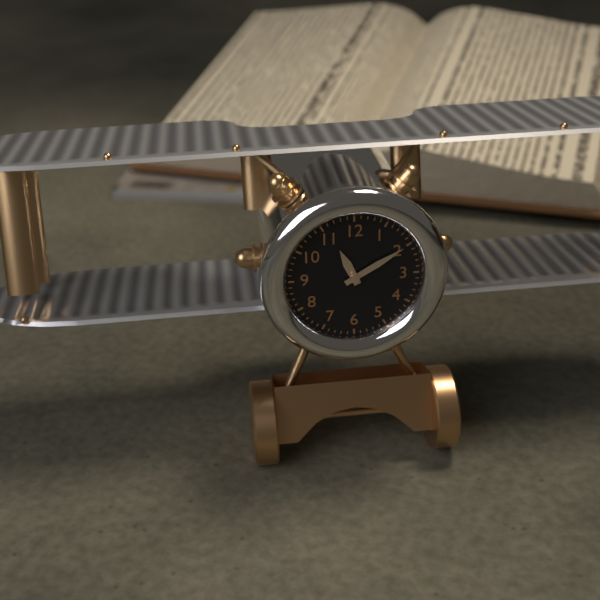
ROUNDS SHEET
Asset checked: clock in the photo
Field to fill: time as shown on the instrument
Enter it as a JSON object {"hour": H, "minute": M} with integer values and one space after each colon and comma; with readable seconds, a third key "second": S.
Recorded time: {"hour": 11, "minute": 10}
